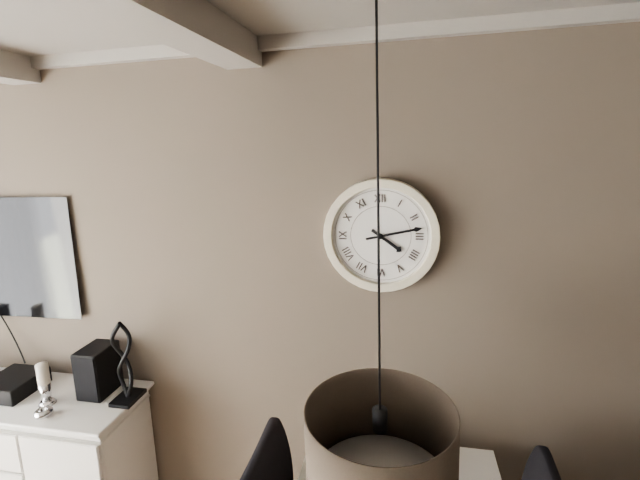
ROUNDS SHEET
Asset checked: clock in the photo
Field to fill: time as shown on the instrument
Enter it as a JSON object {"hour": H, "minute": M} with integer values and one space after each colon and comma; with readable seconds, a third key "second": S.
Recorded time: {"hour": 4, "minute": 13}
